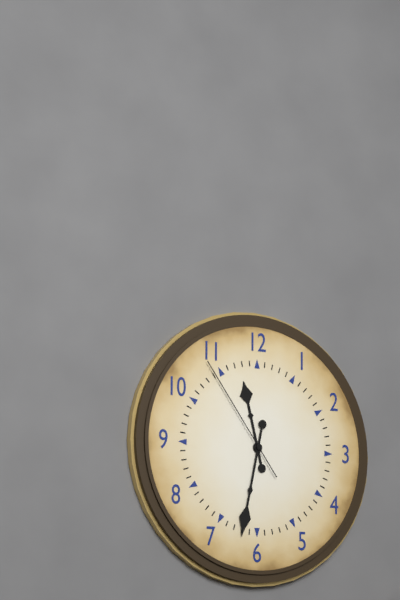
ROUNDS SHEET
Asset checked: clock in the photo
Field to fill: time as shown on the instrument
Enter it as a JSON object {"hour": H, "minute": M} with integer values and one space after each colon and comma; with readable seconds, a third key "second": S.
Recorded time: {"hour": 11, "minute": 32, "second": 54}
